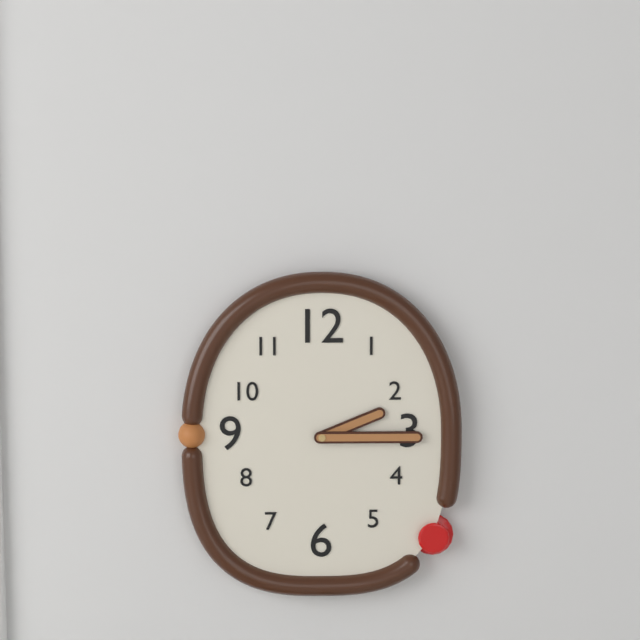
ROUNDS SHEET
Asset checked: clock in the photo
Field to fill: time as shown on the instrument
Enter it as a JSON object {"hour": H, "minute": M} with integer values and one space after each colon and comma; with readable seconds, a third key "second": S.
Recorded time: {"hour": 2, "minute": 15}
